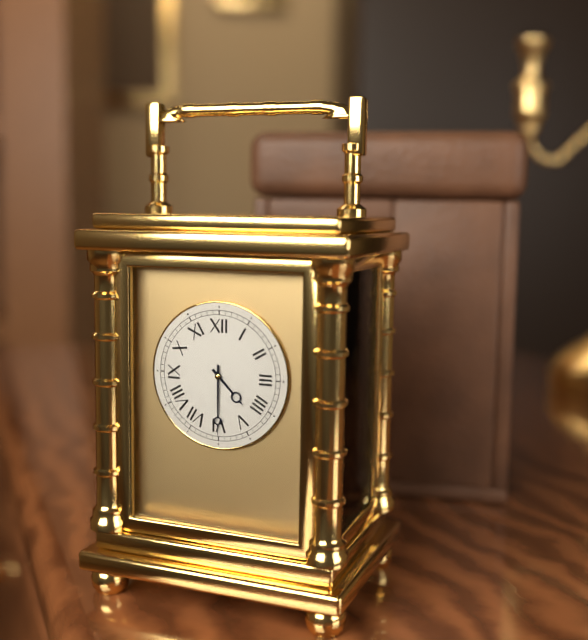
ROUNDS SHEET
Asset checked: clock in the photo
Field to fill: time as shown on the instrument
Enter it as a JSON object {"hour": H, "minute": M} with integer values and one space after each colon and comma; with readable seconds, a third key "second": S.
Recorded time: {"hour": 4, "minute": 30}
